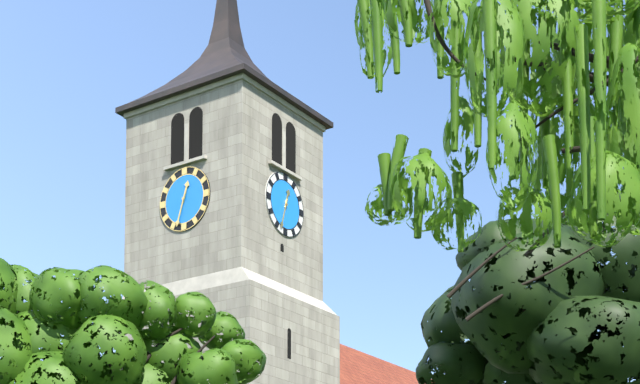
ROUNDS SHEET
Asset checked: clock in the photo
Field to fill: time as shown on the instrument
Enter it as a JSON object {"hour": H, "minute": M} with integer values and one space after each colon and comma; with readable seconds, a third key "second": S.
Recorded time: {"hour": 12, "minute": 33}
